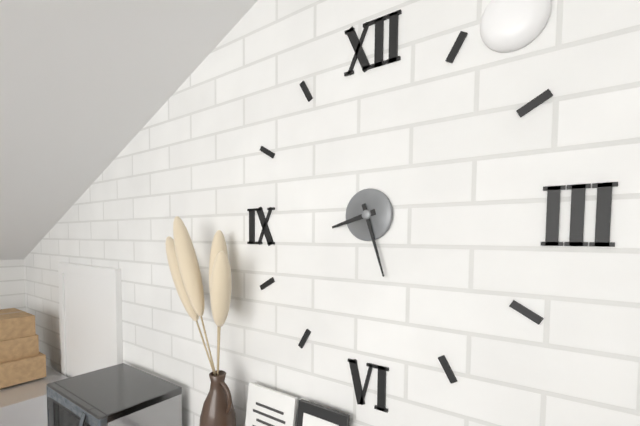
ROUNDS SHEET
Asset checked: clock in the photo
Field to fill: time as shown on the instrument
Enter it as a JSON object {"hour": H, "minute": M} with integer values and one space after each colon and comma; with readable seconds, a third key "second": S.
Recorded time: {"hour": 8, "minute": 27}
